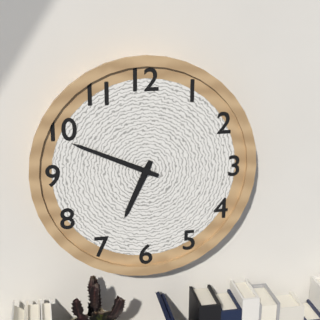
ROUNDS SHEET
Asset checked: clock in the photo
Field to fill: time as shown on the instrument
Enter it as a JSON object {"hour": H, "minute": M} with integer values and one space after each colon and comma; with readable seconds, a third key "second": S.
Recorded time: {"hour": 6, "minute": 49}
